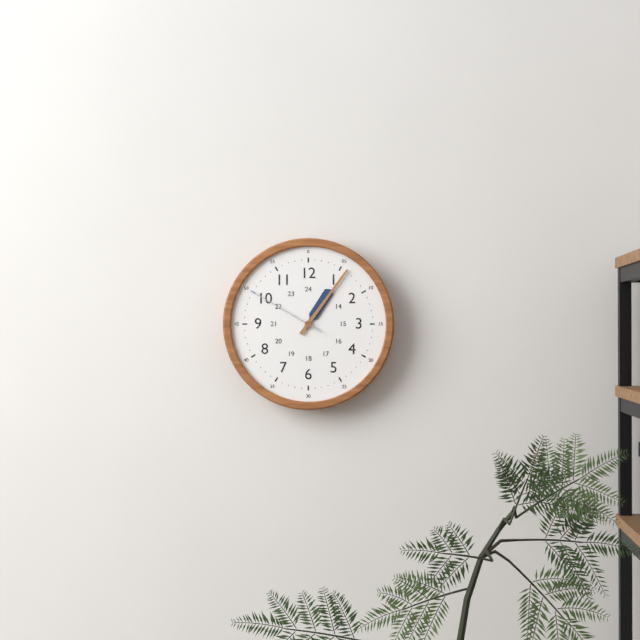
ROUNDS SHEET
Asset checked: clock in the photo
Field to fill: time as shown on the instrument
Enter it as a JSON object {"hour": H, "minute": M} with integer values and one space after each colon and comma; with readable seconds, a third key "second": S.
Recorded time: {"hour": 1, "minute": 6, "second": 50}
